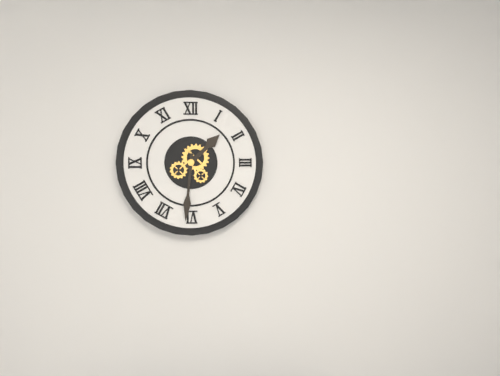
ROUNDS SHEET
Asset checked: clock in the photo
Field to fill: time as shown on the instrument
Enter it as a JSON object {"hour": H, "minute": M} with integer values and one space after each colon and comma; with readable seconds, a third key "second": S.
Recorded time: {"hour": 1, "minute": 31}
